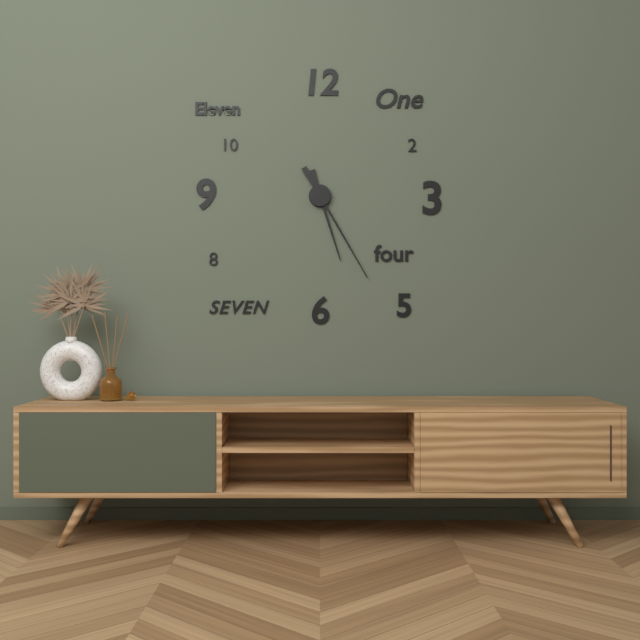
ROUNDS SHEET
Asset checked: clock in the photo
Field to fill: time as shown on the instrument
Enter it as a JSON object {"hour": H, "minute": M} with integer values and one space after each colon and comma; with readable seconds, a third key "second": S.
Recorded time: {"hour": 5, "minute": 25}
